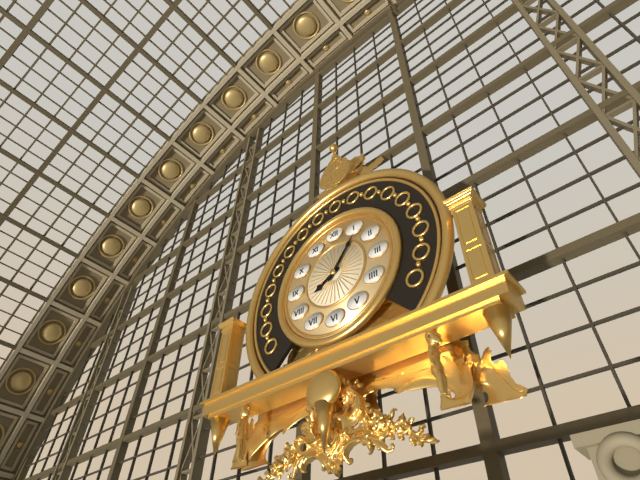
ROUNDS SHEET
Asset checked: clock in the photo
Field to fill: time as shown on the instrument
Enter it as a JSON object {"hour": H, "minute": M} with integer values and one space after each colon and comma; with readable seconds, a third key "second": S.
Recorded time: {"hour": 8, "minute": 6}
